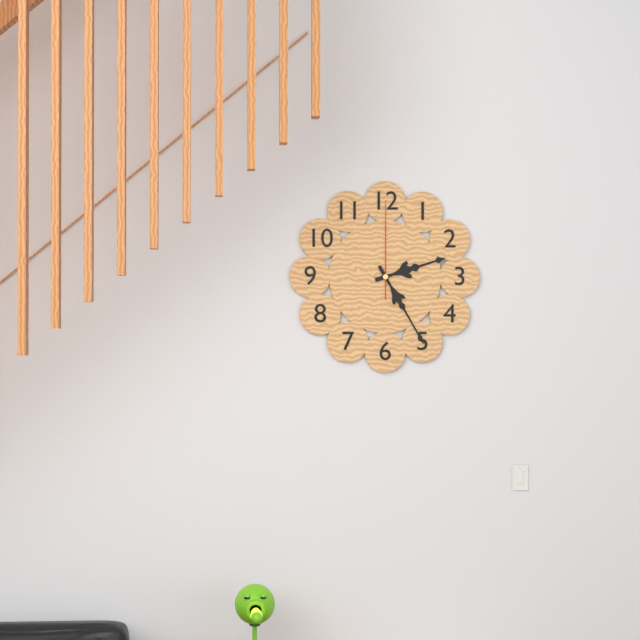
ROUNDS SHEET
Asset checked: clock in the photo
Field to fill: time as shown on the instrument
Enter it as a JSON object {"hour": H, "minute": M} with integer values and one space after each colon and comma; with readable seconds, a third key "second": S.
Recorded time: {"hour": 2, "minute": 25, "second": 0}
